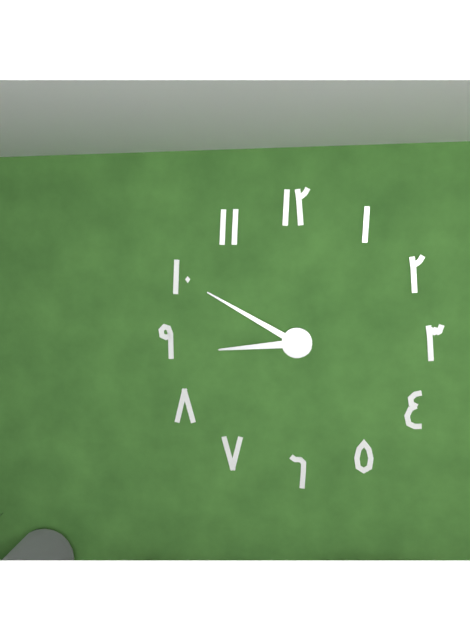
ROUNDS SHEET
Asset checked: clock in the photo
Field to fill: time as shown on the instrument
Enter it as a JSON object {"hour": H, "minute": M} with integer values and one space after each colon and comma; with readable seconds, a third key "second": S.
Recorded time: {"hour": 8, "minute": 50}
